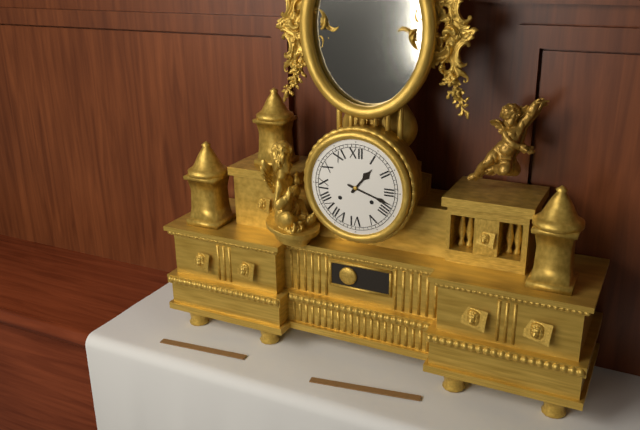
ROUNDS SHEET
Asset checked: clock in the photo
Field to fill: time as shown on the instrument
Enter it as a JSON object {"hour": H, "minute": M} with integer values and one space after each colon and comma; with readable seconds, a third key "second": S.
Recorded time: {"hour": 1, "minute": 18}
